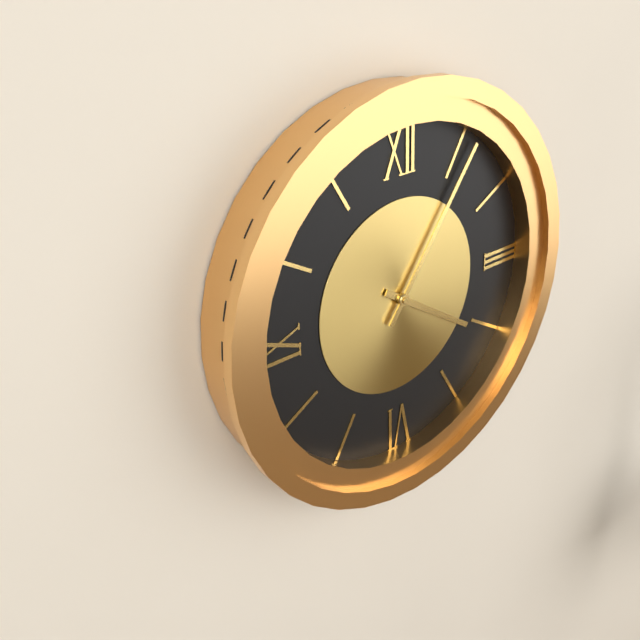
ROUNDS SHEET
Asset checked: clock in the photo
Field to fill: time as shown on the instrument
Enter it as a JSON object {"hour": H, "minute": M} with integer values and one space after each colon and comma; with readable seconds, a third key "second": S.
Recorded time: {"hour": 4, "minute": 6}
